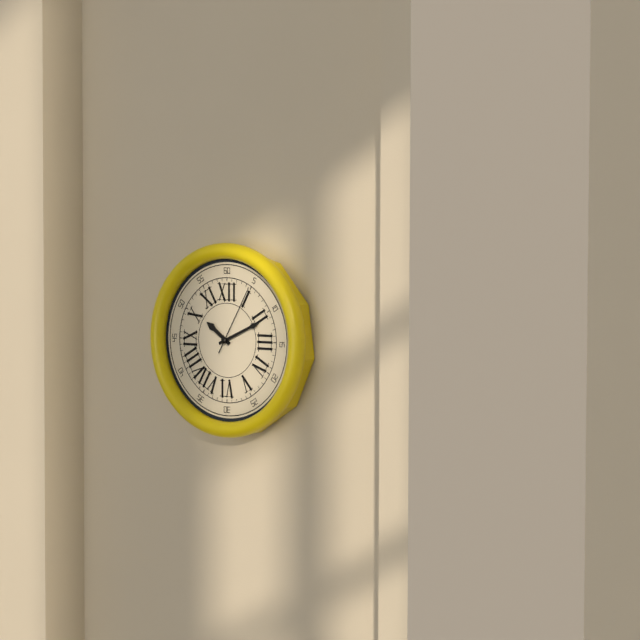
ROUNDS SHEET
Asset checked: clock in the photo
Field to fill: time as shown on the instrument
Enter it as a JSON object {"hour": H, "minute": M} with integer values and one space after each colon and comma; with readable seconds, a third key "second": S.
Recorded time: {"hour": 10, "minute": 11, "second": 5}
